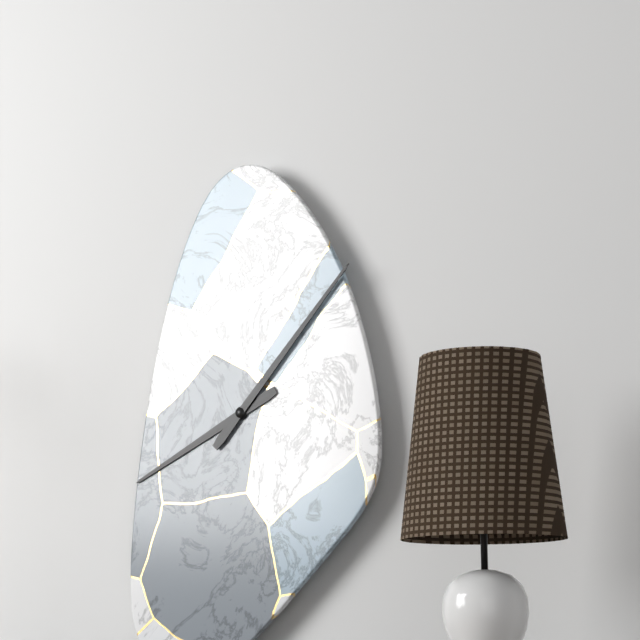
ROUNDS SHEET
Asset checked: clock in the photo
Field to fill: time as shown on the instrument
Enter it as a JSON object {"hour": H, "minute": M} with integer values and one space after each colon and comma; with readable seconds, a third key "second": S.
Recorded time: {"hour": 8, "minute": 7}
